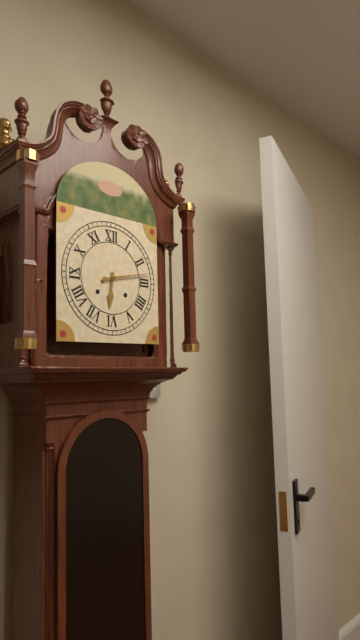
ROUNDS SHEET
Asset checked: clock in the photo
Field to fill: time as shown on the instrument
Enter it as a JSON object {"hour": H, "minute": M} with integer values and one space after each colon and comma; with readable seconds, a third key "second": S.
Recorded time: {"hour": 6, "minute": 13}
